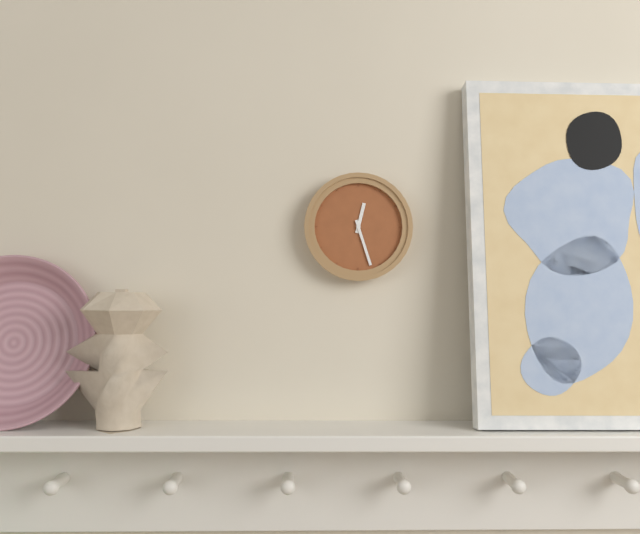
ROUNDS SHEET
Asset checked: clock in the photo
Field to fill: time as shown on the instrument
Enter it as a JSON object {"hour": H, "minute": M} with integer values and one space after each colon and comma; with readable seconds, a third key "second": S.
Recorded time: {"hour": 12, "minute": 27}
